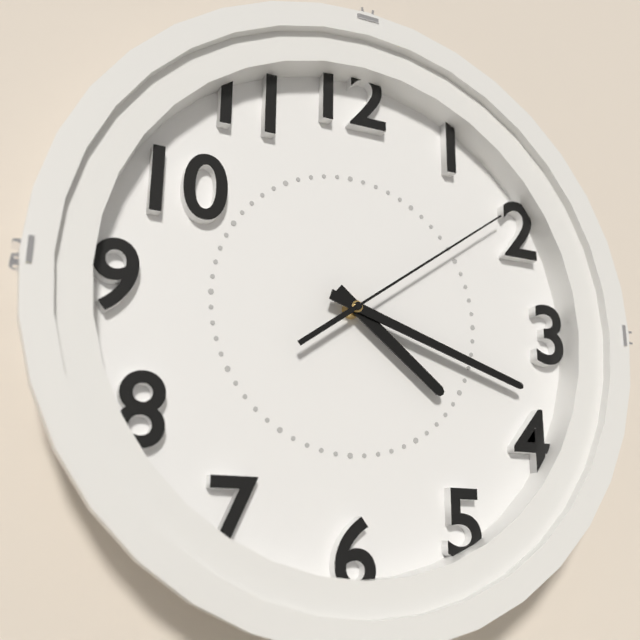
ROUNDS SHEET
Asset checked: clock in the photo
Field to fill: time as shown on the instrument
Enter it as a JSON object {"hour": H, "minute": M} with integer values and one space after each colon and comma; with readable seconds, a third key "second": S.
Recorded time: {"hour": 4, "minute": 18, "second": 9}
